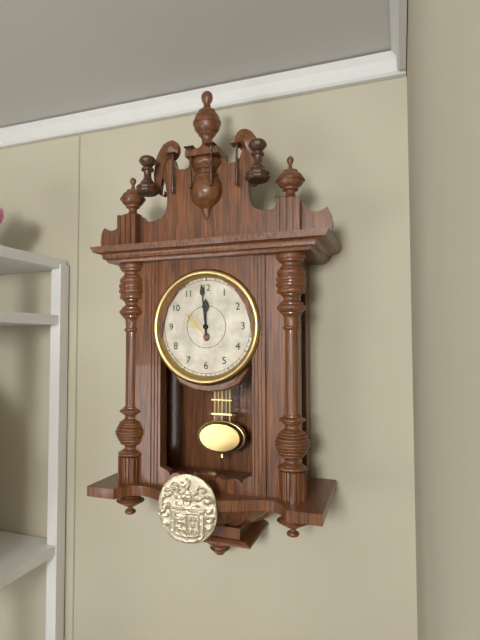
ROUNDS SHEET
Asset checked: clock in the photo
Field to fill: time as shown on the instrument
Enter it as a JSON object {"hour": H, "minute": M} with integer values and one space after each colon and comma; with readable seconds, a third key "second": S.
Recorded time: {"hour": 11, "minute": 59}
